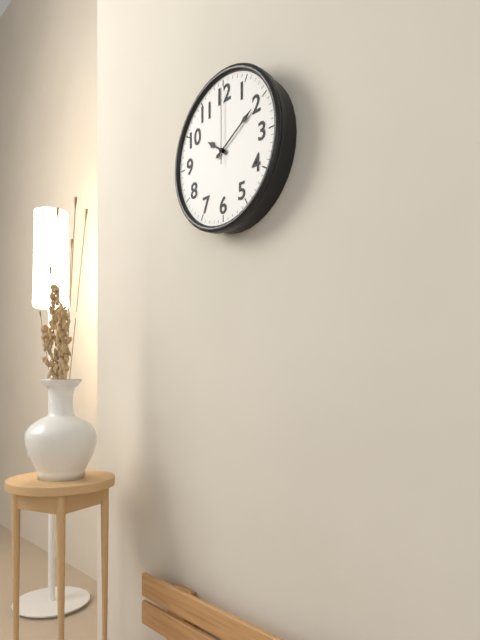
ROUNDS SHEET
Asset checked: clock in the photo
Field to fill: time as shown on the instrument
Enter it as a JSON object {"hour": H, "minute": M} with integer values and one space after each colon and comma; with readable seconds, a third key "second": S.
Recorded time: {"hour": 10, "minute": 10, "second": 0}
